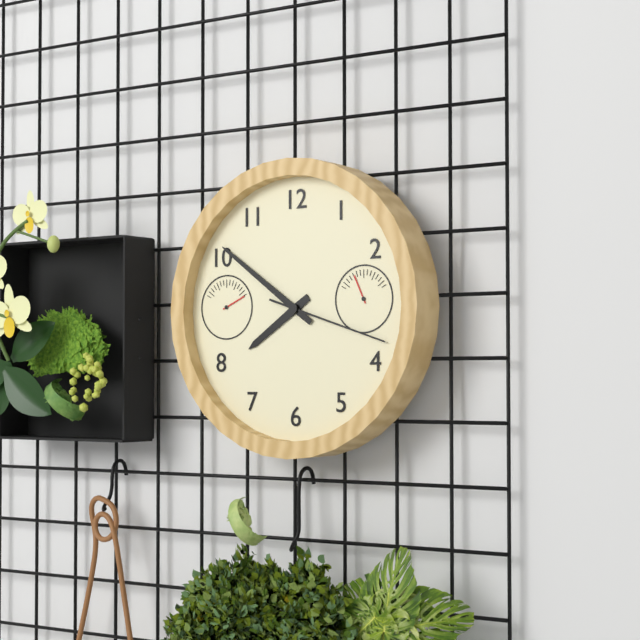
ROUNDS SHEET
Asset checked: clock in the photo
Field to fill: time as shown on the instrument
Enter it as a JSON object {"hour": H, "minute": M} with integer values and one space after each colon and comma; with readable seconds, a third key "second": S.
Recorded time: {"hour": 7, "minute": 51, "second": 18}
